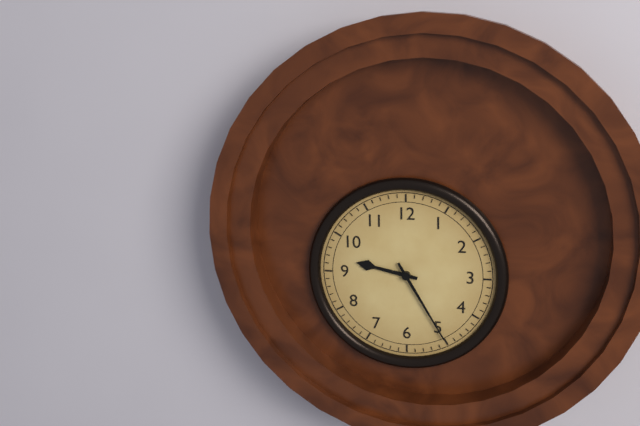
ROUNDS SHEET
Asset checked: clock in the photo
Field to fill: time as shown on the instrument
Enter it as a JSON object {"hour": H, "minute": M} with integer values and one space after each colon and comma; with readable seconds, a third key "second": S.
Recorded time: {"hour": 9, "minute": 25}
